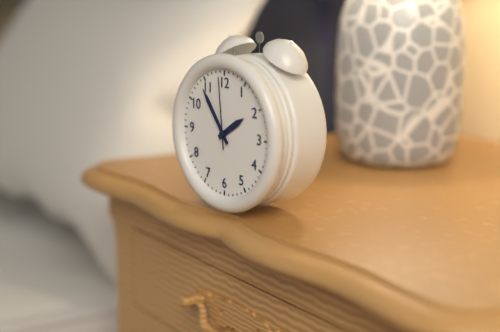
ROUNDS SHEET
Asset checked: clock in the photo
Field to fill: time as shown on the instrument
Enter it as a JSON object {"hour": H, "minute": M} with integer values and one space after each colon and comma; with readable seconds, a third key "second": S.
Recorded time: {"hour": 1, "minute": 54, "second": 59}
